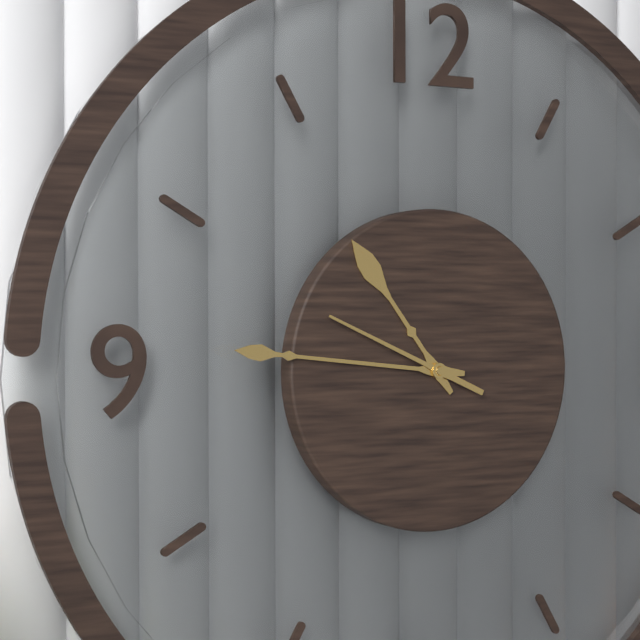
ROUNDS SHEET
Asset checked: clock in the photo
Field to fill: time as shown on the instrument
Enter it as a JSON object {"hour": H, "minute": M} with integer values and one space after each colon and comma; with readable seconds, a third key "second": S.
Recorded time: {"hour": 10, "minute": 46, "second": 49}
